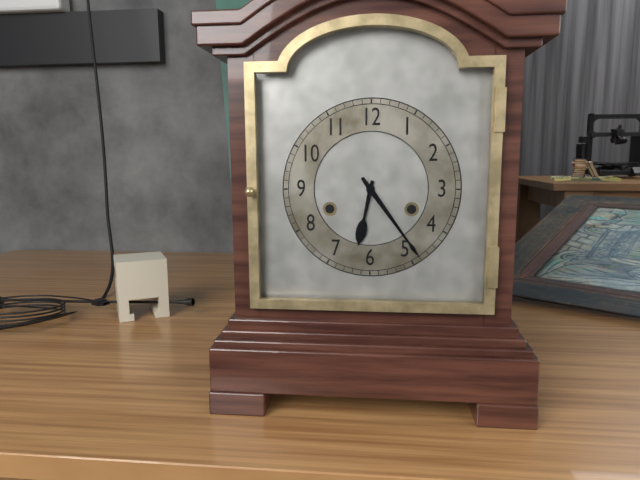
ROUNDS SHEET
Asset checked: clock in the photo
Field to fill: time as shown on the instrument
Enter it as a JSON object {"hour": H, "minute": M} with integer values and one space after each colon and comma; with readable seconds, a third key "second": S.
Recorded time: {"hour": 6, "minute": 24}
